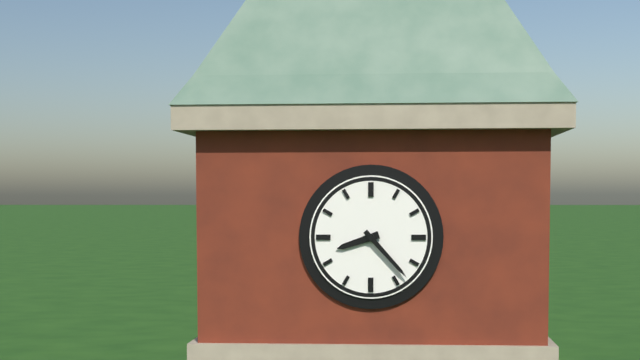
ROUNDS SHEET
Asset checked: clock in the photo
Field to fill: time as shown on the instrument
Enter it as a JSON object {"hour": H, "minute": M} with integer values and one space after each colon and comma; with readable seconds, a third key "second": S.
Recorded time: {"hour": 8, "minute": 23}
